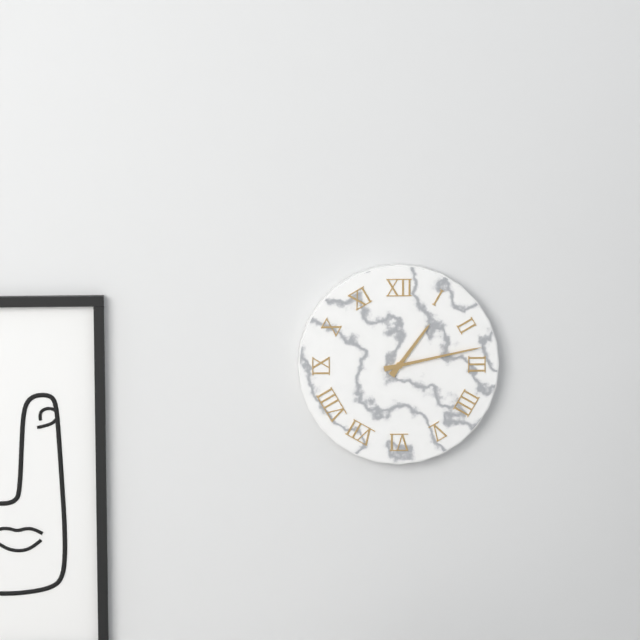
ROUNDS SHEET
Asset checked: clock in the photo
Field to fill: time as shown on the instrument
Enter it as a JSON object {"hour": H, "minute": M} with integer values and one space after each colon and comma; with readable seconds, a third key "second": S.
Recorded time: {"hour": 1, "minute": 13}
